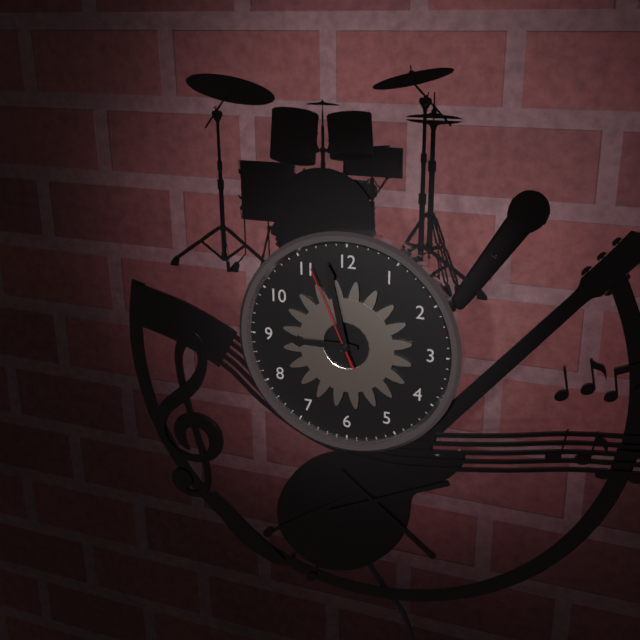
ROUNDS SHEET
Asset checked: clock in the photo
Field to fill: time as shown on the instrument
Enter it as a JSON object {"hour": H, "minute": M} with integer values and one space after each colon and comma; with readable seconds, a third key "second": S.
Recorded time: {"hour": 8, "minute": 58, "second": 56}
